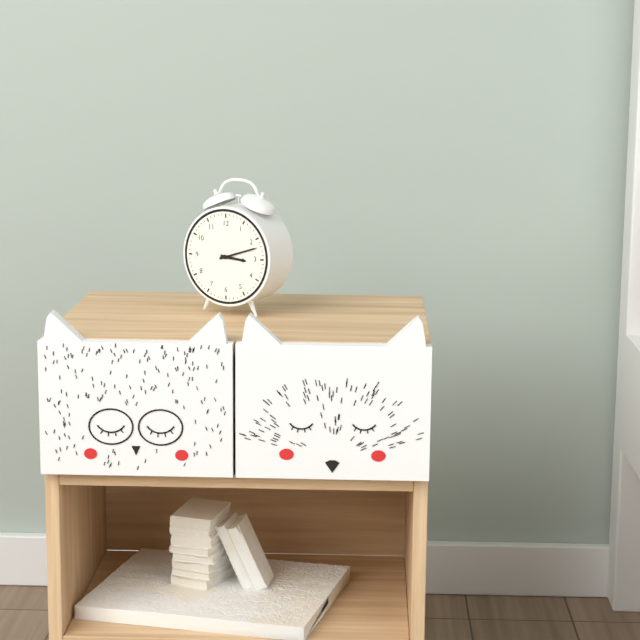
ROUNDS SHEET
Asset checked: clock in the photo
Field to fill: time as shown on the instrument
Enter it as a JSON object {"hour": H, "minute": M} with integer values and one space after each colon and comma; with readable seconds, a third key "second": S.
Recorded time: {"hour": 3, "minute": 12}
